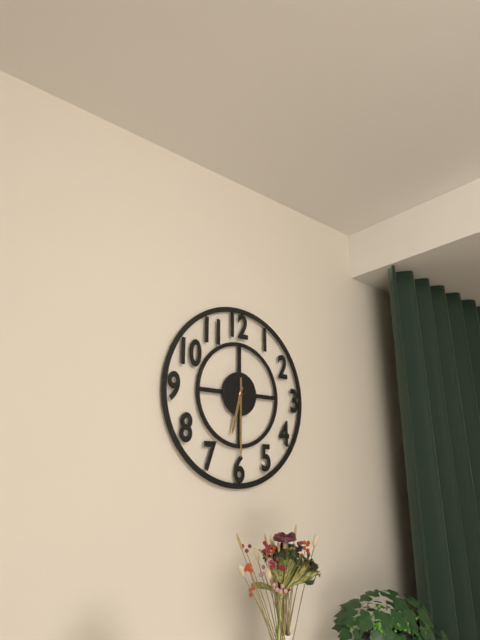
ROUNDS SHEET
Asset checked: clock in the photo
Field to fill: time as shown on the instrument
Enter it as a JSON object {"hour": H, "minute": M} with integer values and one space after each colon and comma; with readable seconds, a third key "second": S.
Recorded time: {"hour": 6, "minute": 30}
